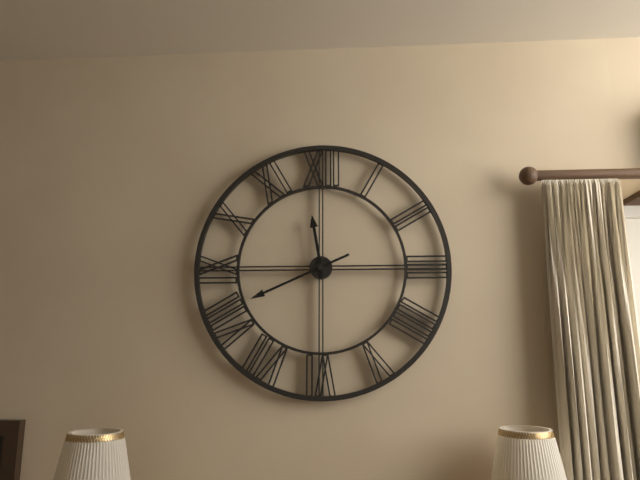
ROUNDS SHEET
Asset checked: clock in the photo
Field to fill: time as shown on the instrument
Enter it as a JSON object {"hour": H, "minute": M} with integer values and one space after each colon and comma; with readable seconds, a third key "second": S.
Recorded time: {"hour": 11, "minute": 41}
